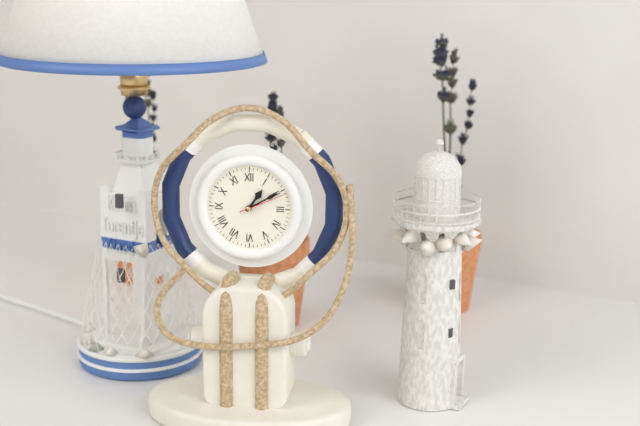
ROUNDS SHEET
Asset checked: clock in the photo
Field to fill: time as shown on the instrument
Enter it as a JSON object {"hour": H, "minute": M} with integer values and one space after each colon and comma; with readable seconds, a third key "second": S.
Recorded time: {"hour": 1, "minute": 10}
